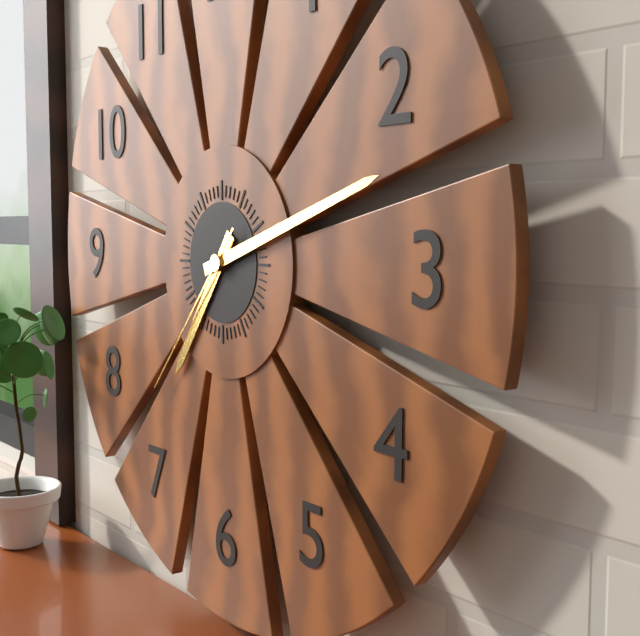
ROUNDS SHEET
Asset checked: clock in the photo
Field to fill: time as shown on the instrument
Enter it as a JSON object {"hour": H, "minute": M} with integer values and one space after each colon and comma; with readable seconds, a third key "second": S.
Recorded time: {"hour": 7, "minute": 12, "second": 37}
